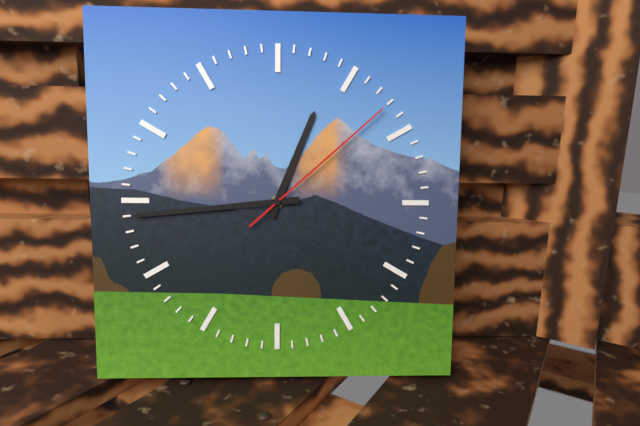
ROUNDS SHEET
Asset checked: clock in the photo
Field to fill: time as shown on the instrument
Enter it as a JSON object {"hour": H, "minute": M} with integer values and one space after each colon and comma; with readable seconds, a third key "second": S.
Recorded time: {"hour": 12, "minute": 44, "second": 8}
